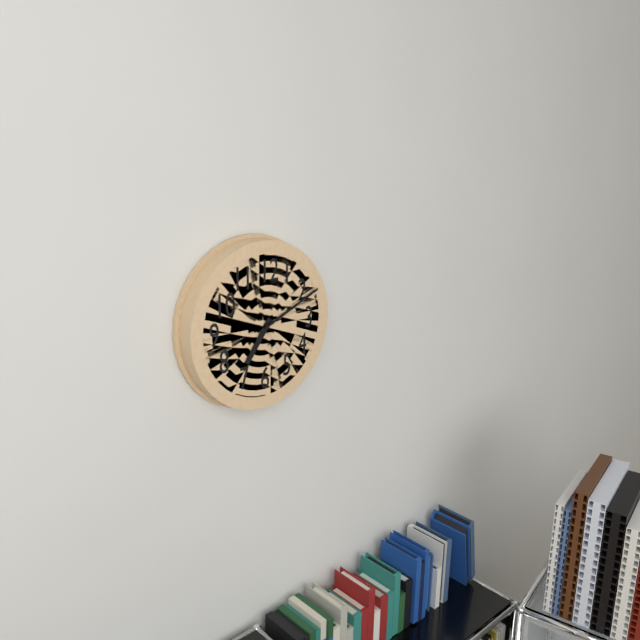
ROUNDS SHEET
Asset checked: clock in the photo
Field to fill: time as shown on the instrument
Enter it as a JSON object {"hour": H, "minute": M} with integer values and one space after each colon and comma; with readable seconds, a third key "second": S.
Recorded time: {"hour": 7, "minute": 11}
